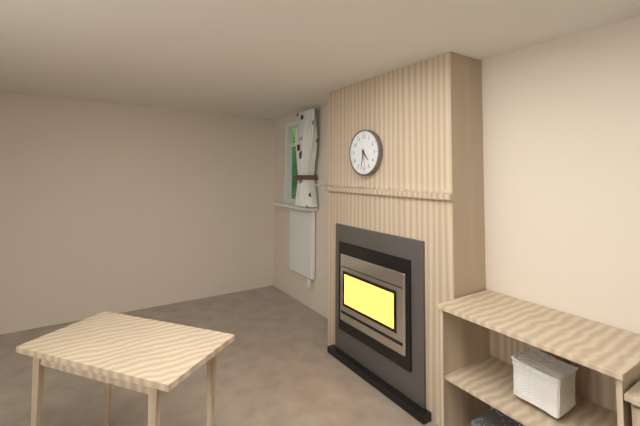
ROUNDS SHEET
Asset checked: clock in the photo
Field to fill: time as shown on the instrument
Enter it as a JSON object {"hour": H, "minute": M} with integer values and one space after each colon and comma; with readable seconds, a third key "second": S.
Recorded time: {"hour": 4, "minute": 32}
